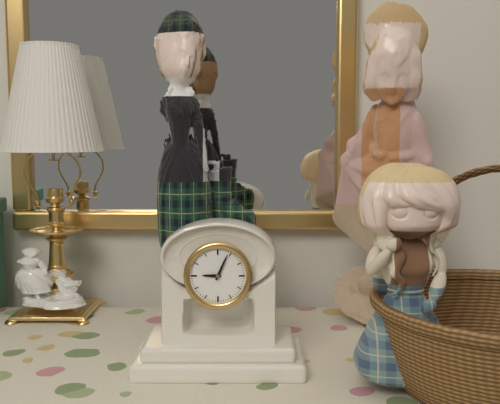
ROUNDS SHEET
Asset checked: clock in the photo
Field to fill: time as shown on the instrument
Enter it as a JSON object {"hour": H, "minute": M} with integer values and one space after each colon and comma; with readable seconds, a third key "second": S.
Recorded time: {"hour": 9, "minute": 4}
